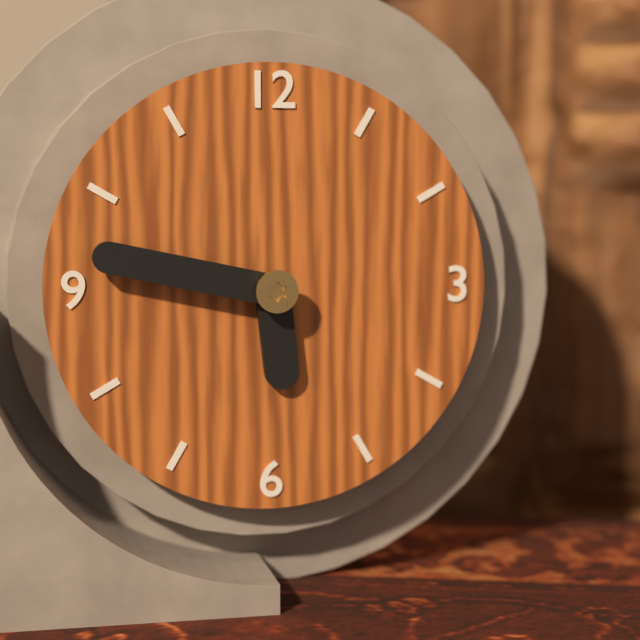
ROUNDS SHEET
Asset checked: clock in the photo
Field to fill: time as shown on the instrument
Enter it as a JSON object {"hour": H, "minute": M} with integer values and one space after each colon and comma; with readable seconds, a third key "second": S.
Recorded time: {"hour": 5, "minute": 47}
